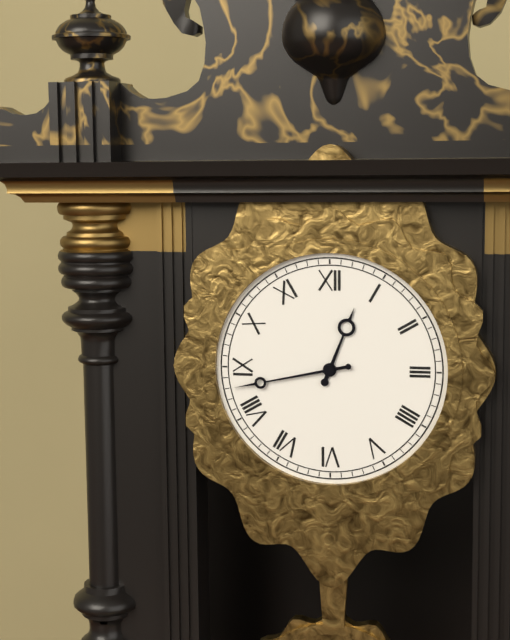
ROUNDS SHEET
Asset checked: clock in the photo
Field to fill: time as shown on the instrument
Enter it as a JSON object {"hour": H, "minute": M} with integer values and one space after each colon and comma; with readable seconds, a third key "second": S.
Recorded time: {"hour": 12, "minute": 43}
